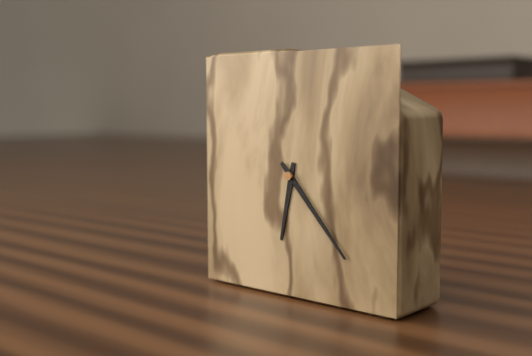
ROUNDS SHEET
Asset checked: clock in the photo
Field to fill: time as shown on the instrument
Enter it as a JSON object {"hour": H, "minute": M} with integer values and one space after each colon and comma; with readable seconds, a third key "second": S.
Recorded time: {"hour": 6, "minute": 23}
